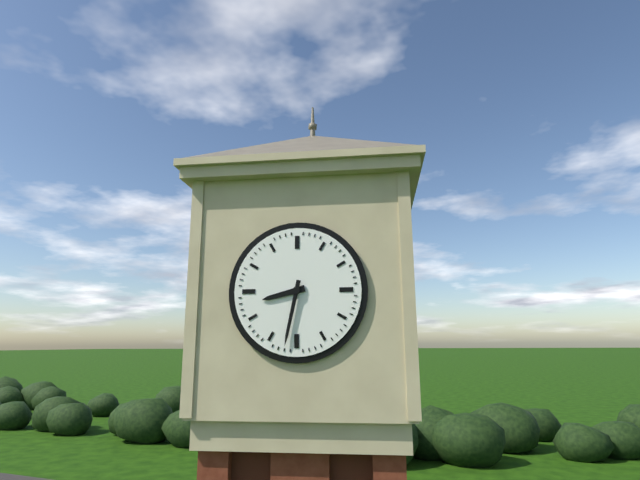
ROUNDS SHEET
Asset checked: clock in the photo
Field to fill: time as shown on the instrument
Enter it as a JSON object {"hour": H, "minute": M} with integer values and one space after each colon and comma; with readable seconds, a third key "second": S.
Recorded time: {"hour": 8, "minute": 32}
